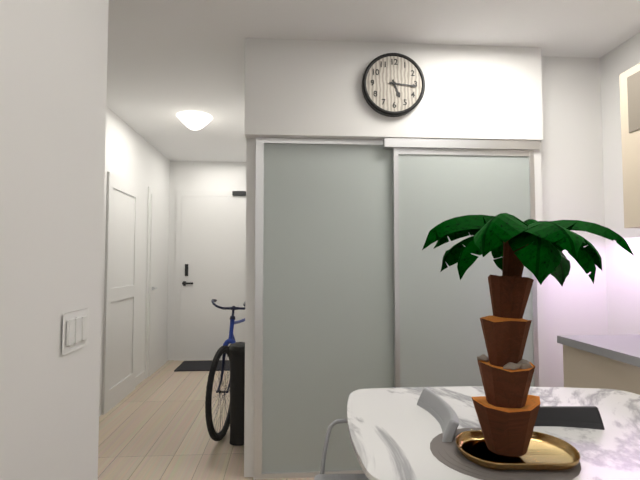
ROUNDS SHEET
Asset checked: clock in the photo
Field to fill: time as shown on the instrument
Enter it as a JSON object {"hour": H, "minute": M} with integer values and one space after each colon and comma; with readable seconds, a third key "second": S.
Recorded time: {"hour": 5, "minute": 16}
